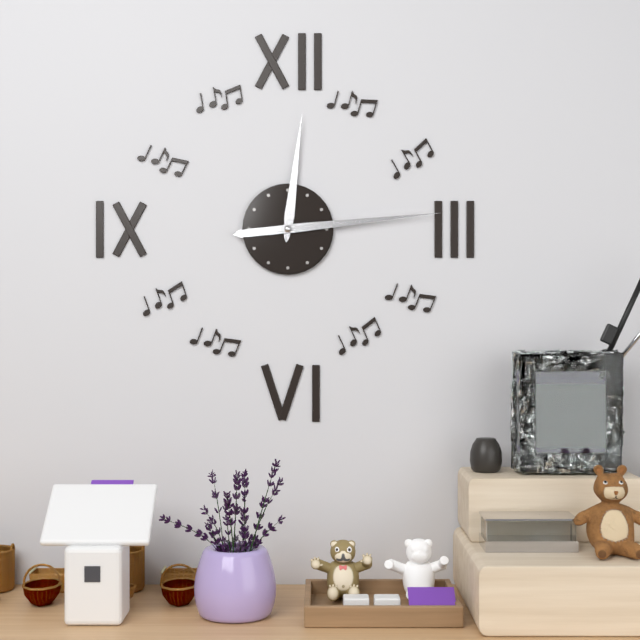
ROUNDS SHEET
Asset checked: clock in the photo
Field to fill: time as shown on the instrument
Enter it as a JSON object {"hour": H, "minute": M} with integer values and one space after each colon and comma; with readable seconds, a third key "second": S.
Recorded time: {"hour": 12, "minute": 14}
